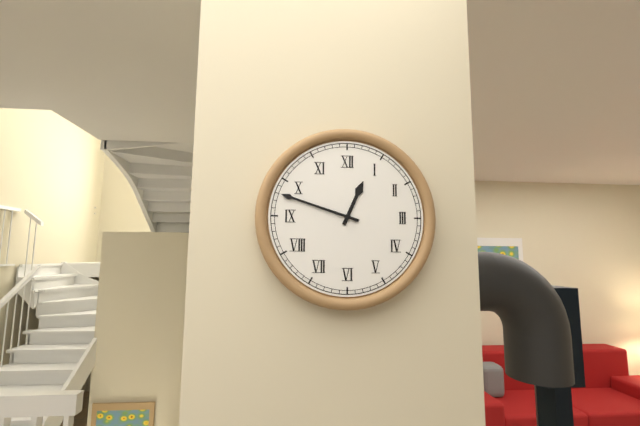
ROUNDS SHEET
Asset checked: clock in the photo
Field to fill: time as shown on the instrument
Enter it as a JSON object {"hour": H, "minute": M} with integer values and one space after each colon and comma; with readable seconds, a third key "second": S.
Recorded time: {"hour": 12, "minute": 48}
